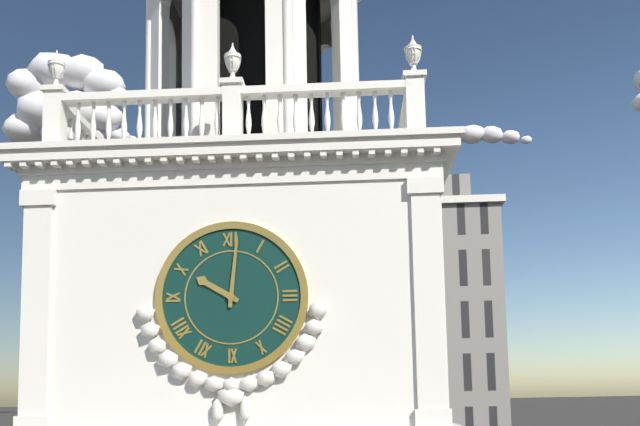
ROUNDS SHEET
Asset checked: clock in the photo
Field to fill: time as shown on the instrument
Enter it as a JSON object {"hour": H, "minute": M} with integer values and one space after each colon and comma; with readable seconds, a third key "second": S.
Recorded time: {"hour": 10, "minute": 1}
